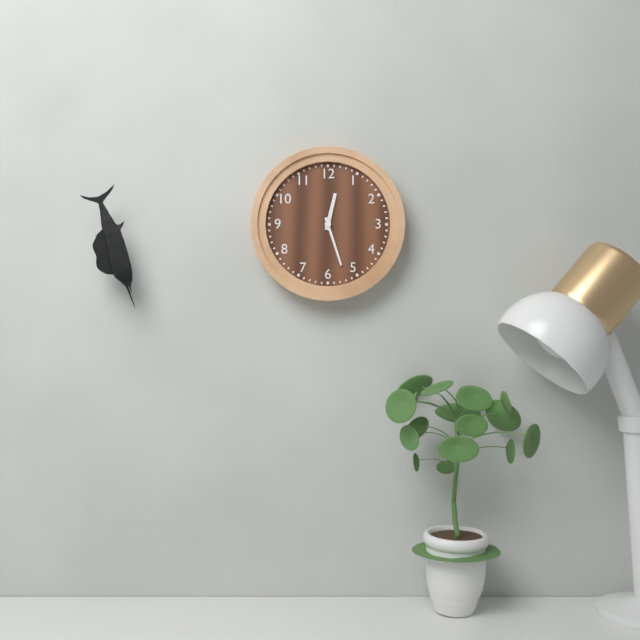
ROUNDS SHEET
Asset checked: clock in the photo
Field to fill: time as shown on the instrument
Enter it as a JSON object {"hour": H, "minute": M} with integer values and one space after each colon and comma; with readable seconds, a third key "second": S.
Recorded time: {"hour": 12, "minute": 27}
